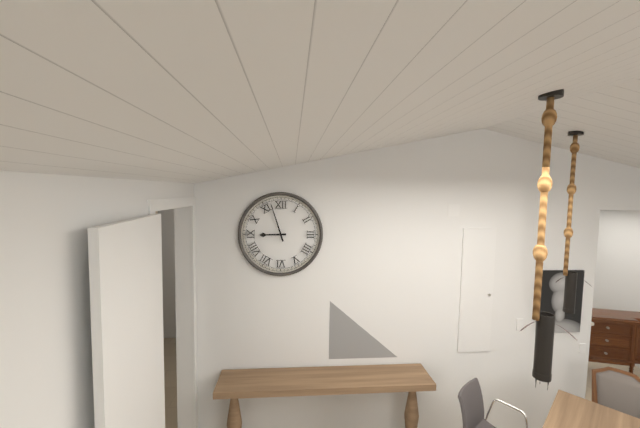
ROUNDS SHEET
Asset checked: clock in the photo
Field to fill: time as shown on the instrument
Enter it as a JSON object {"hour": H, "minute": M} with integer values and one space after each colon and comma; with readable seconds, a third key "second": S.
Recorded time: {"hour": 8, "minute": 57}
